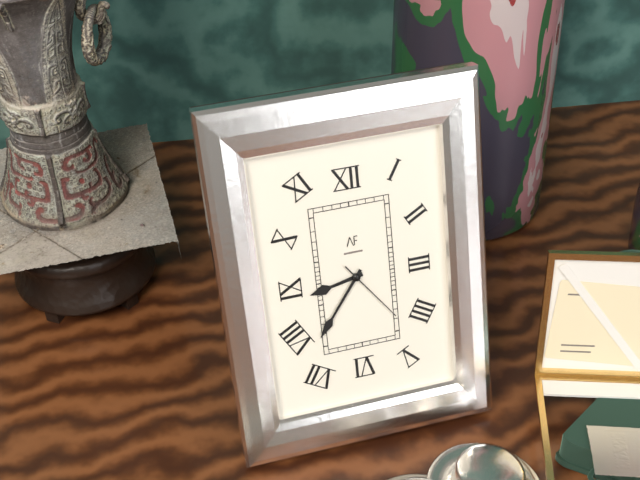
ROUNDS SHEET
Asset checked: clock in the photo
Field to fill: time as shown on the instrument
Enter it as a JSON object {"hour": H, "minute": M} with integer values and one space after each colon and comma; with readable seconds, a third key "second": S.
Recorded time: {"hour": 8, "minute": 36, "second": 24}
